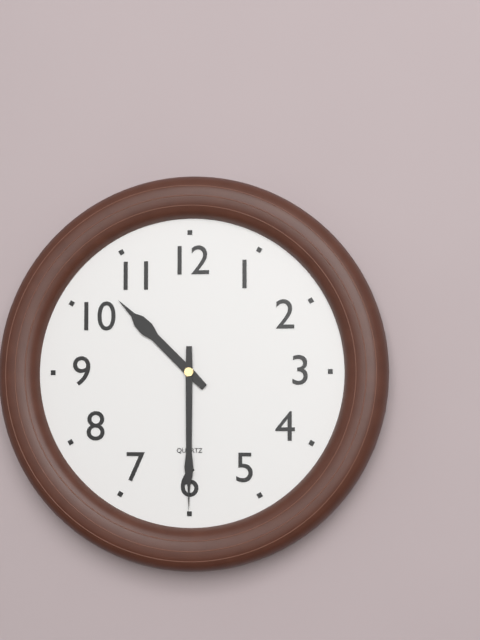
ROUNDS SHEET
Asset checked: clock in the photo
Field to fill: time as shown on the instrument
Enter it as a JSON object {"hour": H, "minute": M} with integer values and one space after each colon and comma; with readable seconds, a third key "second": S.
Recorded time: {"hour": 10, "minute": 30}
